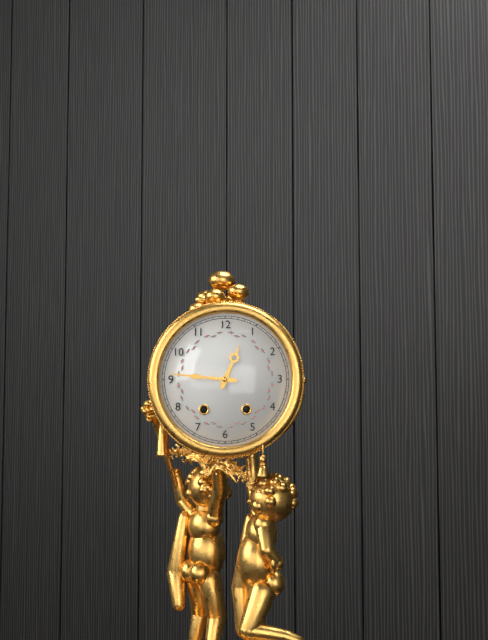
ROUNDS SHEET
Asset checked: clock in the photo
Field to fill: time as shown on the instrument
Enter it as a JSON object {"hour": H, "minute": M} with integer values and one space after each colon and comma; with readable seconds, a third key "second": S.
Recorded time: {"hour": 12, "minute": 46}
